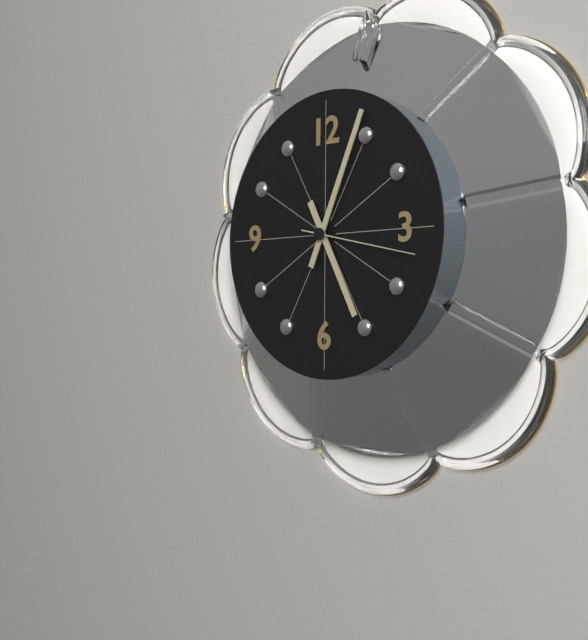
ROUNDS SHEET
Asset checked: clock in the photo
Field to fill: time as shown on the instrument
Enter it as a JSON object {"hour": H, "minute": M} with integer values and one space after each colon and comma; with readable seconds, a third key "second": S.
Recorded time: {"hour": 5, "minute": 4}
